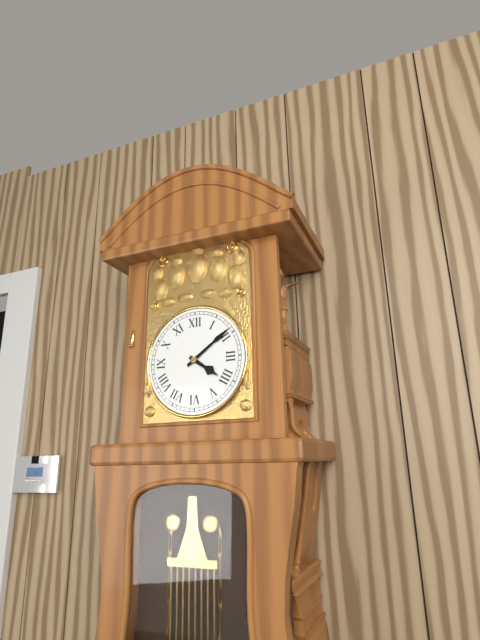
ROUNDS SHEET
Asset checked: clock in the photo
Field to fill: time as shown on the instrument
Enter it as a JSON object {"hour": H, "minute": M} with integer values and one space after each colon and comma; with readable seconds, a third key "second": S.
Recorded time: {"hour": 4, "minute": 9}
